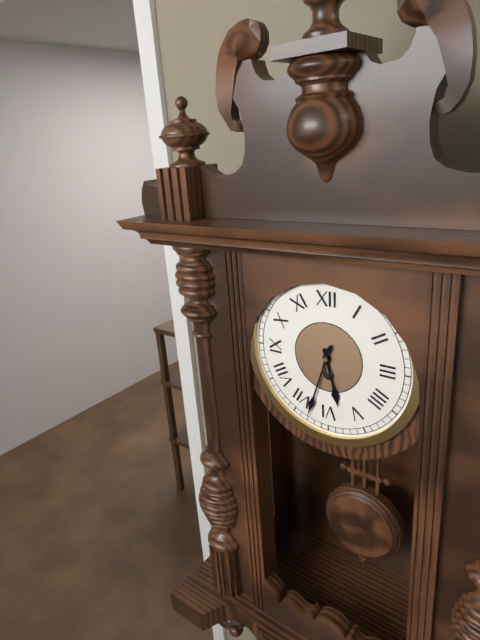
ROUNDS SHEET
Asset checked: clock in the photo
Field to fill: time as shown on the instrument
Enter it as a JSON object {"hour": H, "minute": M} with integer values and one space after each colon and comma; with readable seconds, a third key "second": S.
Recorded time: {"hour": 5, "minute": 33}
